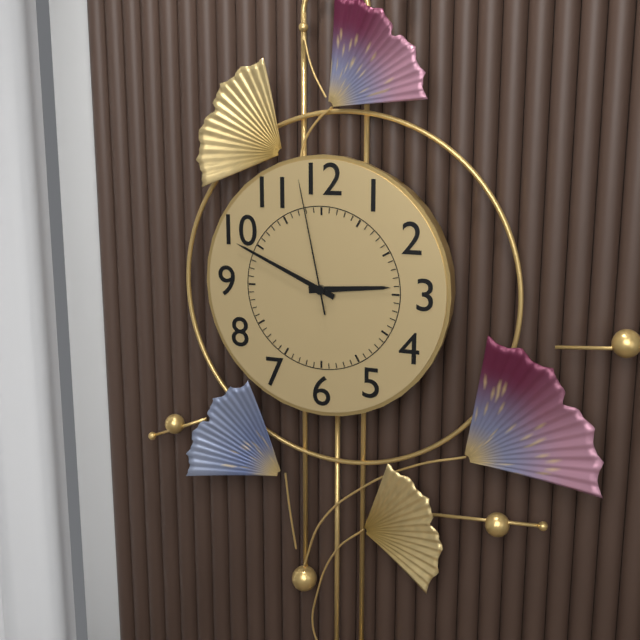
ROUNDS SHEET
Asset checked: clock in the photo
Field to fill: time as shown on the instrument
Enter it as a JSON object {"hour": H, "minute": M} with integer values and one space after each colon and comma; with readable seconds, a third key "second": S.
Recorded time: {"hour": 2, "minute": 49, "second": 58}
